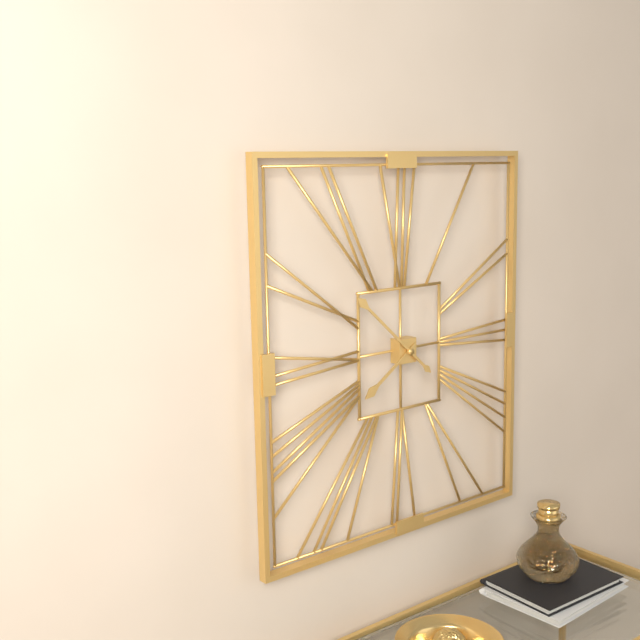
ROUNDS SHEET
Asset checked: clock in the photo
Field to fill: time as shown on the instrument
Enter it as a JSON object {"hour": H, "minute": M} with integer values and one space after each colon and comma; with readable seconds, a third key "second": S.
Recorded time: {"hour": 7, "minute": 52}
